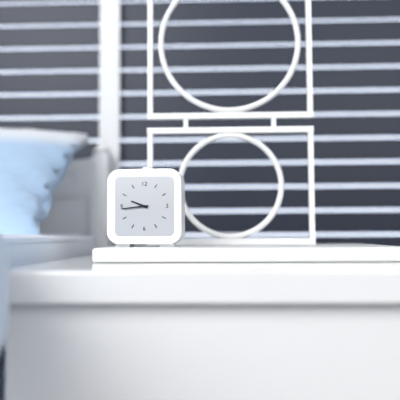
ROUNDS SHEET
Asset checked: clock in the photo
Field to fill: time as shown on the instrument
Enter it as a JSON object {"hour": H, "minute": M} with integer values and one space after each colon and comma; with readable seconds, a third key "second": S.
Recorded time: {"hour": 9, "minute": 44}
